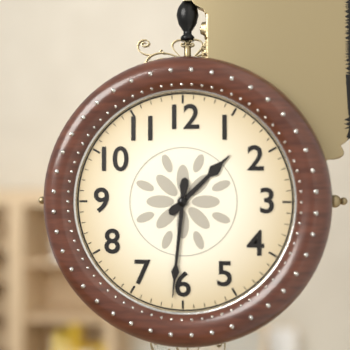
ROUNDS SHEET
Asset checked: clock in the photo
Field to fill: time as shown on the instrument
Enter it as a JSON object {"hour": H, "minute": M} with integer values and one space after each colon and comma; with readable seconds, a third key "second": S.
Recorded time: {"hour": 1, "minute": 31}
